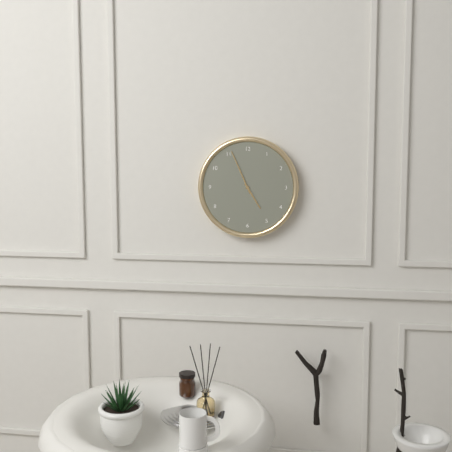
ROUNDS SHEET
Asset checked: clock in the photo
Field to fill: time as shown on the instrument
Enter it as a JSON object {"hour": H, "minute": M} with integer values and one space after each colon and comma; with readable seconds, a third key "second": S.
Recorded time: {"hour": 4, "minute": 56}
